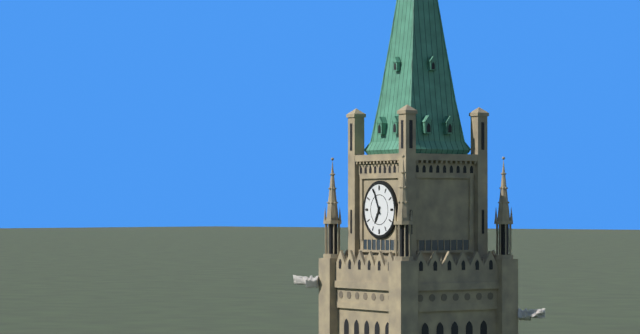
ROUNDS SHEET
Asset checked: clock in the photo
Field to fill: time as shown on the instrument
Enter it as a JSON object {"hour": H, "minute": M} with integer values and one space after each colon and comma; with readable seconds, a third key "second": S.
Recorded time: {"hour": 6, "minute": 56}
